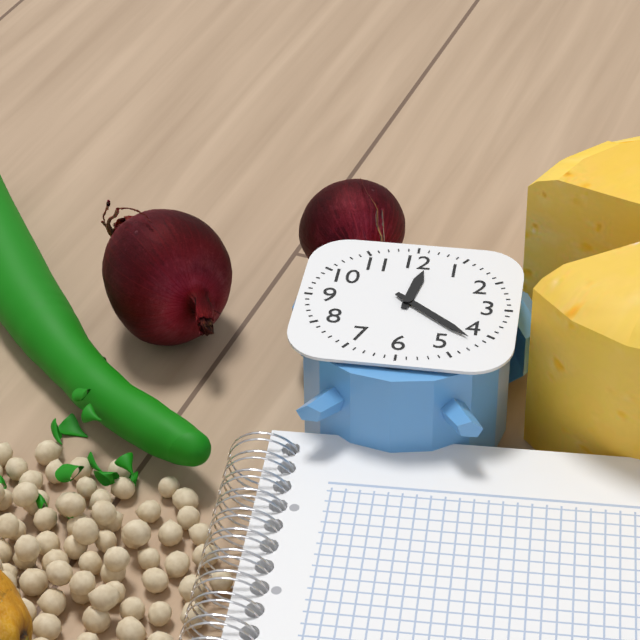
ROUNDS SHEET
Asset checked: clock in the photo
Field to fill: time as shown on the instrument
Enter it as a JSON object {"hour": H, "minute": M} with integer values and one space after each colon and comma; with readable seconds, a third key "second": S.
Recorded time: {"hour": 12, "minute": 21}
